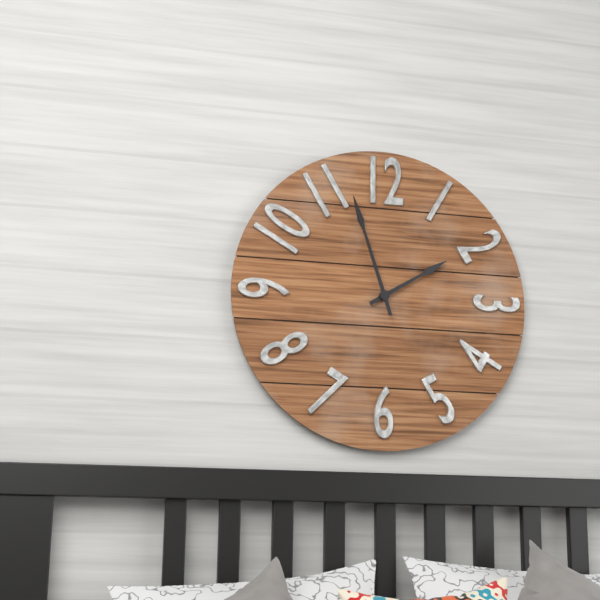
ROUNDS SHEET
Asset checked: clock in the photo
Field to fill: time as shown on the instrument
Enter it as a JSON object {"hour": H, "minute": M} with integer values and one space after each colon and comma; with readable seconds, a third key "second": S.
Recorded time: {"hour": 1, "minute": 57}
